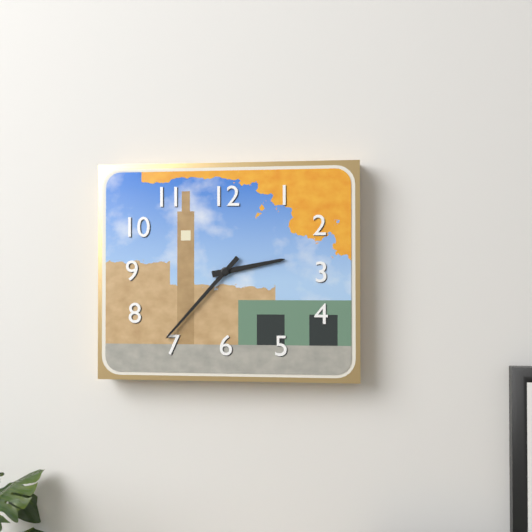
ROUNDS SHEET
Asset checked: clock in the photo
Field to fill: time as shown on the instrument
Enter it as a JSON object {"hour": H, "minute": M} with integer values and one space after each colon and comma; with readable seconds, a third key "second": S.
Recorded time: {"hour": 2, "minute": 37}
